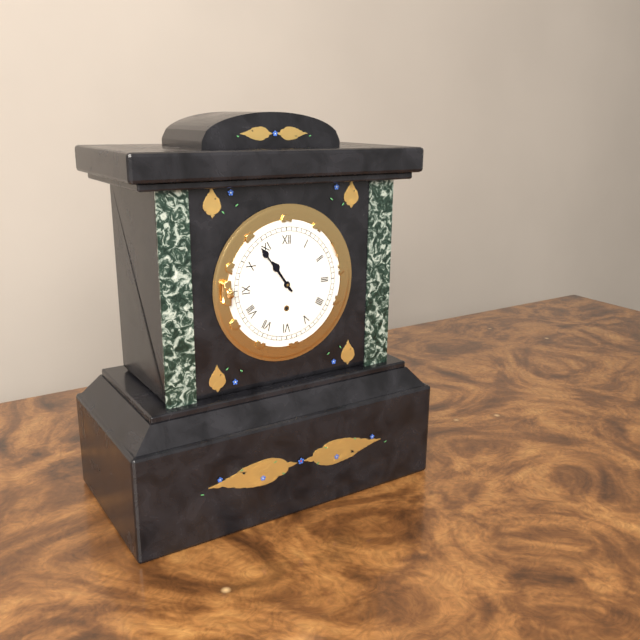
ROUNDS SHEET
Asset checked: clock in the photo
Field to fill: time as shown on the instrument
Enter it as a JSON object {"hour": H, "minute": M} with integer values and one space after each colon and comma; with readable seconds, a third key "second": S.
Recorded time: {"hour": 10, "minute": 54}
